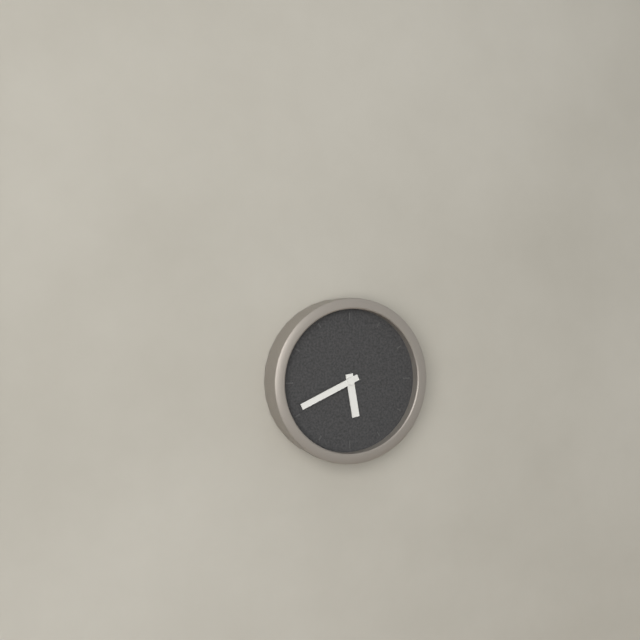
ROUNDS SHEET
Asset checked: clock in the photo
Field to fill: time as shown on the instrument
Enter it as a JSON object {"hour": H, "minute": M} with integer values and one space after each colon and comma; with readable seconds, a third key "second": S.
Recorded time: {"hour": 5, "minute": 41}
